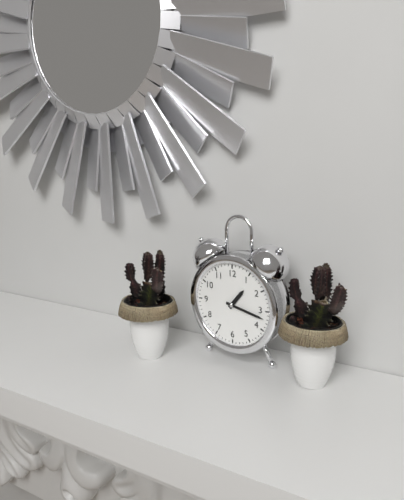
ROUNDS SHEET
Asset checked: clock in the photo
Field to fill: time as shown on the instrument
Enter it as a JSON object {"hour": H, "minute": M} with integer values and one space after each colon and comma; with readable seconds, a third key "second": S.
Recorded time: {"hour": 1, "minute": 17}
